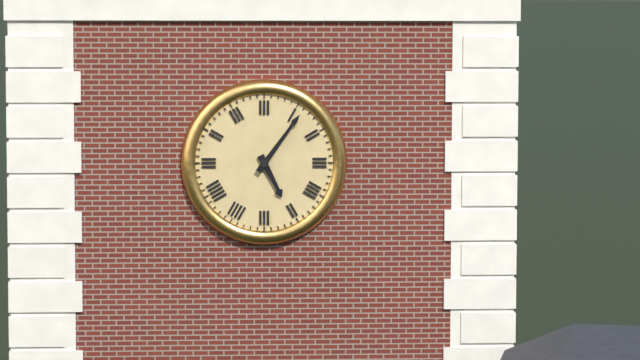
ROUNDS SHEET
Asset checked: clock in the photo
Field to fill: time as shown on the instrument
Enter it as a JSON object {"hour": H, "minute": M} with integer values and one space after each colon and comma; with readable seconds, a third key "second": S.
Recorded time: {"hour": 5, "minute": 6}
